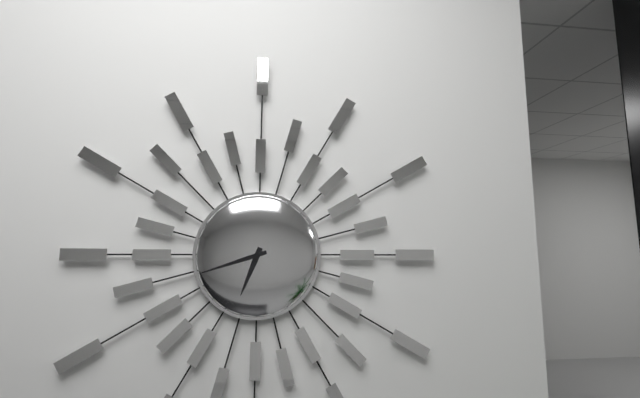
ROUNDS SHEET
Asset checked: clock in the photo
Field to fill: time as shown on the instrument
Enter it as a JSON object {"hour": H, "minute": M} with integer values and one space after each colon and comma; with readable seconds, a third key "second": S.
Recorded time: {"hour": 6, "minute": 42}
